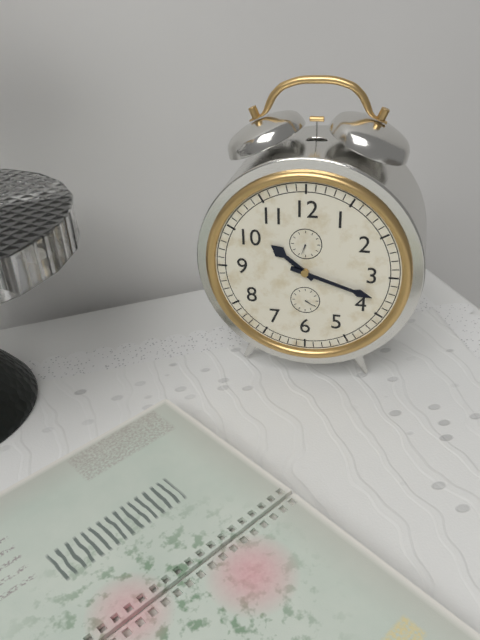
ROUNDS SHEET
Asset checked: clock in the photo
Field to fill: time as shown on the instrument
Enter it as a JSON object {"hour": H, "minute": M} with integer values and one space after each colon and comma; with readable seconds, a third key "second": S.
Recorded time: {"hour": 10, "minute": 18}
